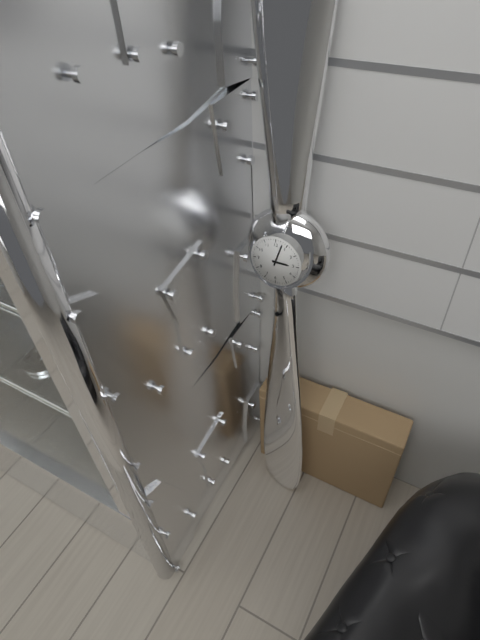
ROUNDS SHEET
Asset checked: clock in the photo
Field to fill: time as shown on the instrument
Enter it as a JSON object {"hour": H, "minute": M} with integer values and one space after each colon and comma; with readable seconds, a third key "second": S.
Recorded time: {"hour": 3, "minute": 3}
